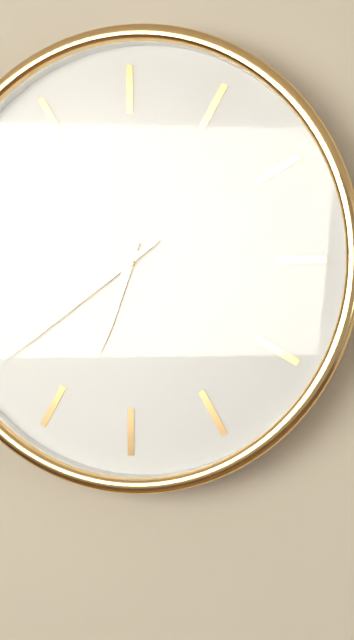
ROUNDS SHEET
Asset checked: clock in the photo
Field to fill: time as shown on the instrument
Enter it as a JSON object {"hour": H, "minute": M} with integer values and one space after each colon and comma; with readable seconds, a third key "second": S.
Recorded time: {"hour": 6, "minute": 39}
